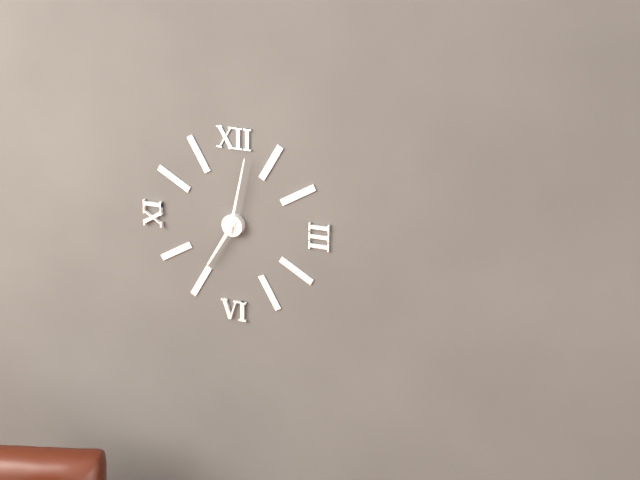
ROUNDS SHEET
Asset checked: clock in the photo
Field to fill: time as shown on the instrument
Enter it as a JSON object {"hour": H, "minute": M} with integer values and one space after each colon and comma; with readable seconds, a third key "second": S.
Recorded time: {"hour": 7, "minute": 2}
